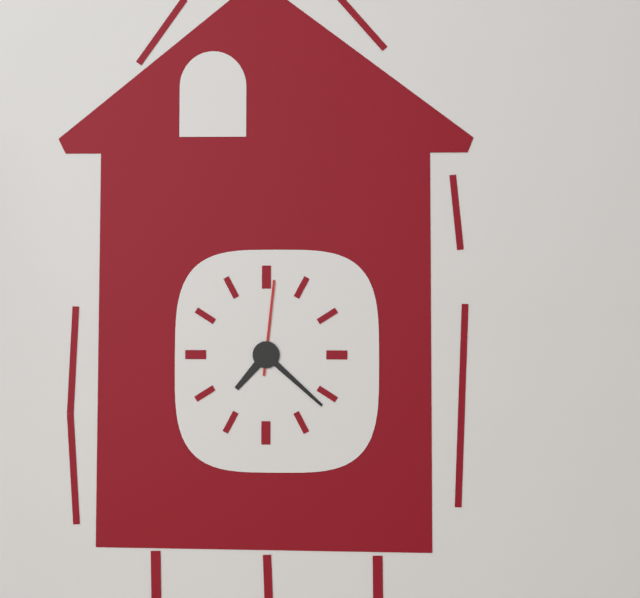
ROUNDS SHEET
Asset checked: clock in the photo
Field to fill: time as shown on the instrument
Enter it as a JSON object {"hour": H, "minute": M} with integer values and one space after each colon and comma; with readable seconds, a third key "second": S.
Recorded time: {"hour": 7, "minute": 22, "second": 1}
